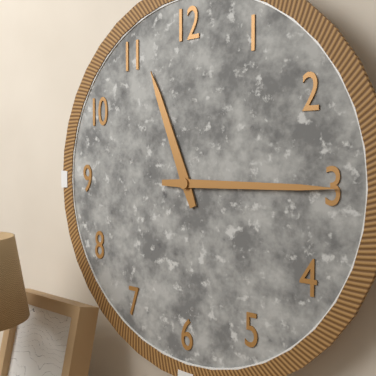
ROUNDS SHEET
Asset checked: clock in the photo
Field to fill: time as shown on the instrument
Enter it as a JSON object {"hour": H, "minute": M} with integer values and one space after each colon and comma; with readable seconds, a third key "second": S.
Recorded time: {"hour": 11, "minute": 15}
